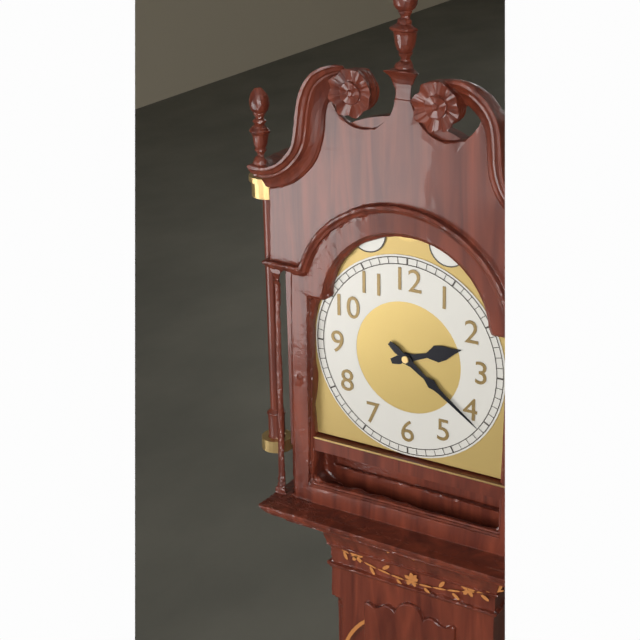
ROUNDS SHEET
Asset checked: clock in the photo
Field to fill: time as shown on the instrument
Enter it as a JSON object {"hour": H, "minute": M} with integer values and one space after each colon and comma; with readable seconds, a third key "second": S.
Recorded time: {"hour": 2, "minute": 21}
